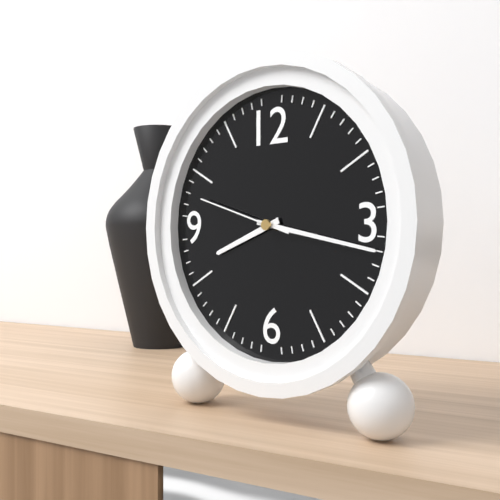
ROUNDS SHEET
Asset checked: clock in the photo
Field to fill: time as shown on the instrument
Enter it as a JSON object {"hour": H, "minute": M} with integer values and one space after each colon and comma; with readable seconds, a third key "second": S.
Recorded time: {"hour": 8, "minute": 17, "second": 48}
